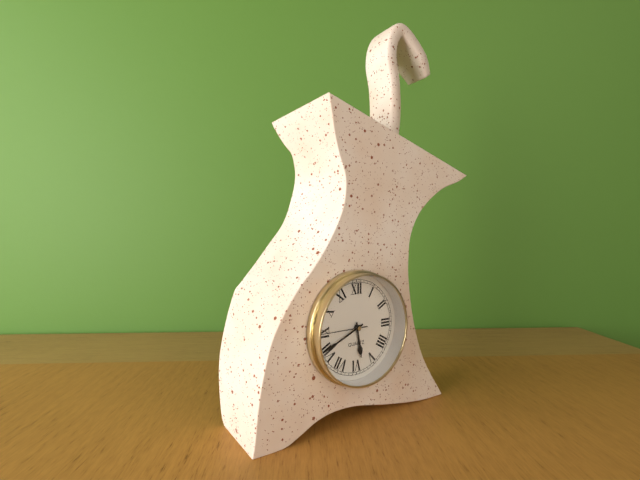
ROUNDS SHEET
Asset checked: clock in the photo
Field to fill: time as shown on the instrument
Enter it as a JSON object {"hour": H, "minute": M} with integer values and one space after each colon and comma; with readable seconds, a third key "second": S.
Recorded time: {"hour": 5, "minute": 41}
